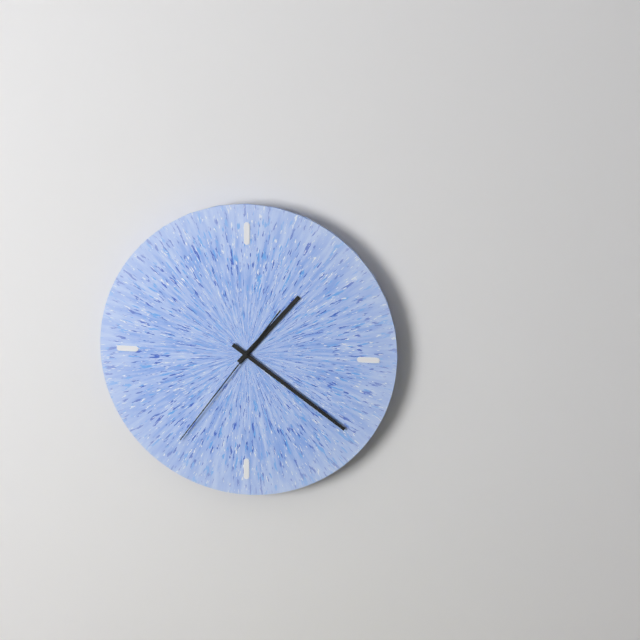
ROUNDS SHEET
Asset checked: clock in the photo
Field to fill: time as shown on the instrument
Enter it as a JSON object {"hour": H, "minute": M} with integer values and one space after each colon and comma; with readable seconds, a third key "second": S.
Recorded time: {"hour": 1, "minute": 21, "second": 36}
